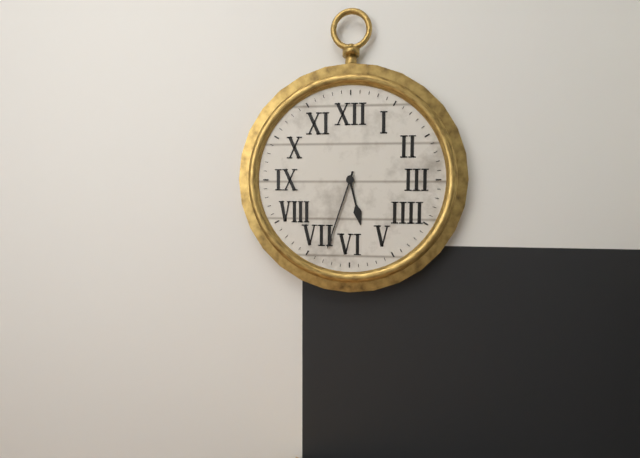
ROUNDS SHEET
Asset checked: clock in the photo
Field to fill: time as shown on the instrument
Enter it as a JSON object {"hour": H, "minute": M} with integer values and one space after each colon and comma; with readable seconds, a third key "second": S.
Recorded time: {"hour": 5, "minute": 33}
